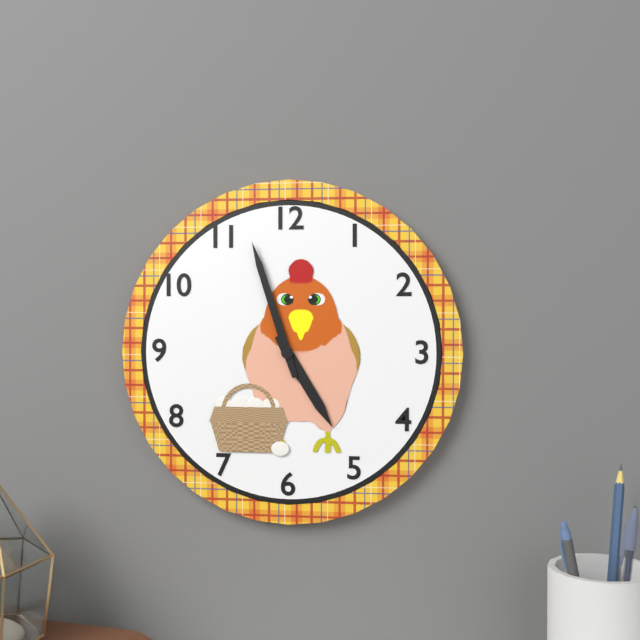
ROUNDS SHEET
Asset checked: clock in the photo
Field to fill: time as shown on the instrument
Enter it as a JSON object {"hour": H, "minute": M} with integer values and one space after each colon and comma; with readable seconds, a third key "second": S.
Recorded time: {"hour": 4, "minute": 57}
